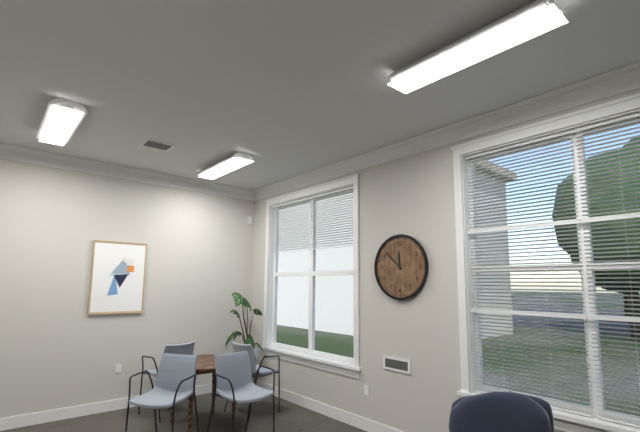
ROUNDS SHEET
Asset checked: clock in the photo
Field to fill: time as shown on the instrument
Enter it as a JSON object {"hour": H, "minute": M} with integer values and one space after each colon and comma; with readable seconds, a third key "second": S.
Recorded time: {"hour": 11, "minute": 52}
